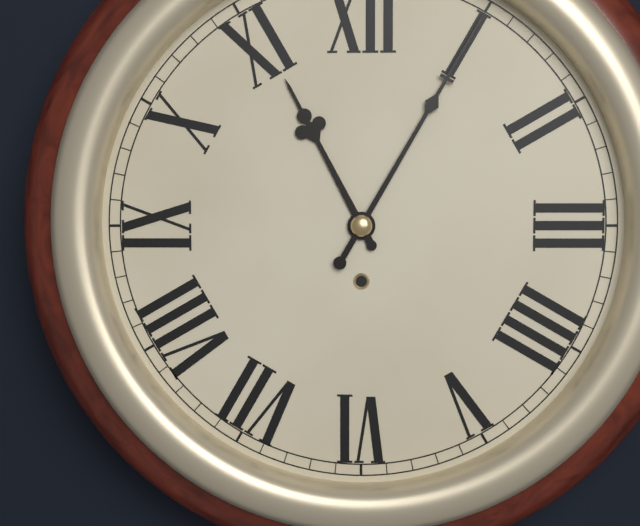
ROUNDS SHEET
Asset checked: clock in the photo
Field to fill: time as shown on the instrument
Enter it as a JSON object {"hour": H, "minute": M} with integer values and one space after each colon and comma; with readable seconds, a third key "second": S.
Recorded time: {"hour": 11, "minute": 5}
